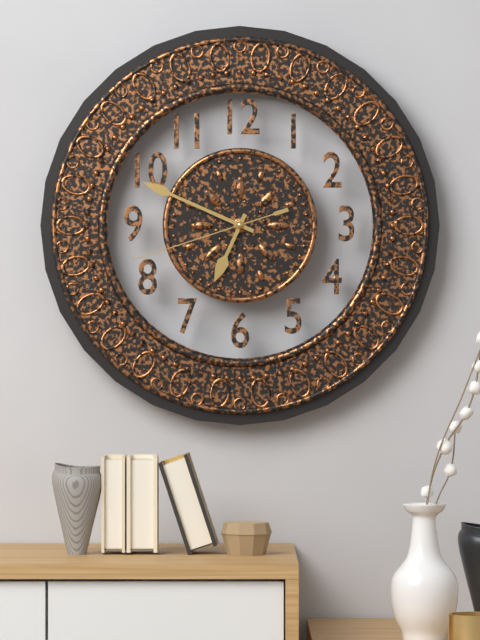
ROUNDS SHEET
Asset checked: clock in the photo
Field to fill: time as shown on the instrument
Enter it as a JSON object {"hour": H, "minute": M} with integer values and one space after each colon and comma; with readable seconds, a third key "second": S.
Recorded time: {"hour": 6, "minute": 49, "second": 42}
